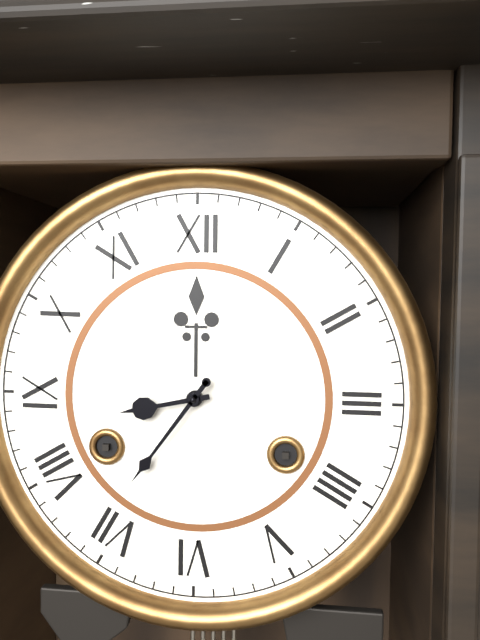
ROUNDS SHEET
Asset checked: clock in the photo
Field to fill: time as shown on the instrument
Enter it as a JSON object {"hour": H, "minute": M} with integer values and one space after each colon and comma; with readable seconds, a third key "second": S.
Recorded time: {"hour": 8, "minute": 36}
